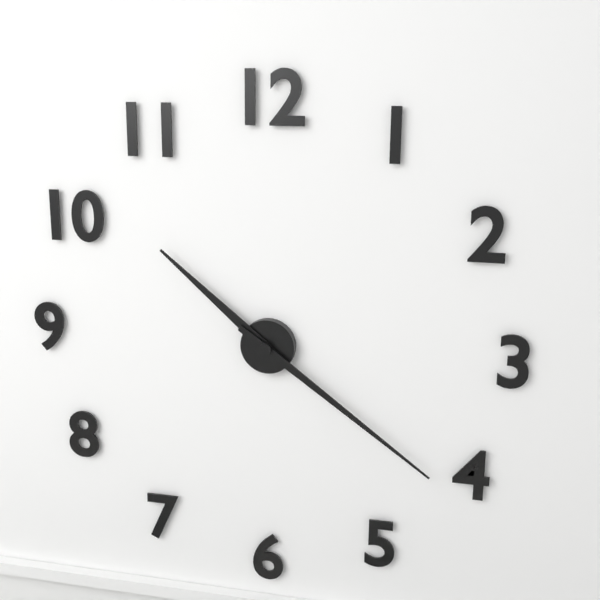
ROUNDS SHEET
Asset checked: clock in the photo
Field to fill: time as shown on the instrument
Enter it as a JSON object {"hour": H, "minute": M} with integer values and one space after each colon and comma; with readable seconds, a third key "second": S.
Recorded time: {"hour": 10, "minute": 21}
